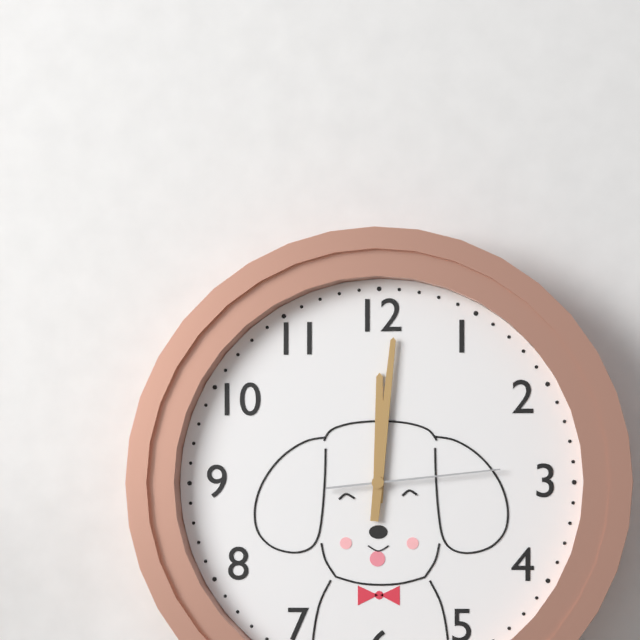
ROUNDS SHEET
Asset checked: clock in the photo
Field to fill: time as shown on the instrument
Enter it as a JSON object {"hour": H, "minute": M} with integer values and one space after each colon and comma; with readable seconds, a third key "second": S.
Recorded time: {"hour": 12, "minute": 1, "second": 14}
